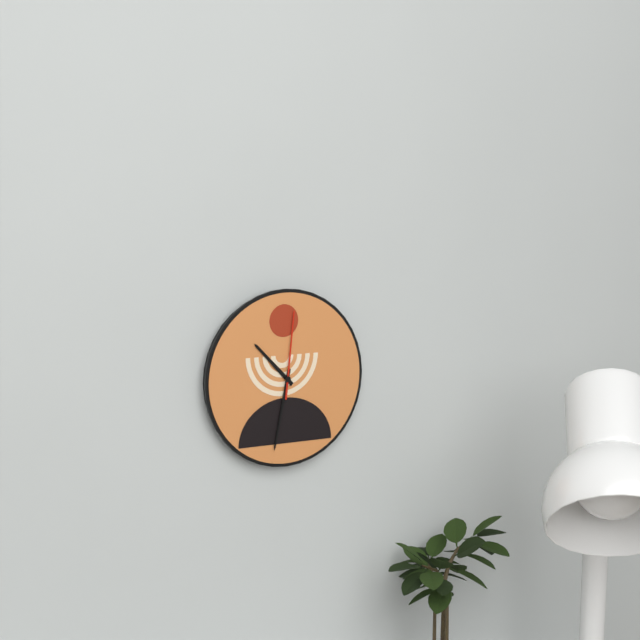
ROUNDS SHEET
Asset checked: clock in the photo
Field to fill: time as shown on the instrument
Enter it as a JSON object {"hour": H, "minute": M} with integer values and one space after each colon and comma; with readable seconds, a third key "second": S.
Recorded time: {"hour": 10, "minute": 32, "second": 1}
